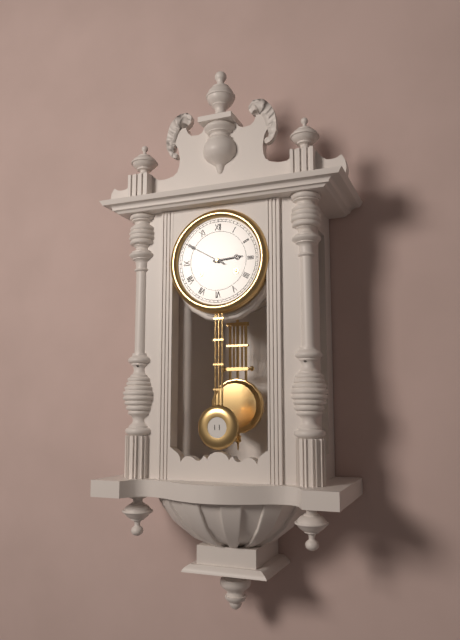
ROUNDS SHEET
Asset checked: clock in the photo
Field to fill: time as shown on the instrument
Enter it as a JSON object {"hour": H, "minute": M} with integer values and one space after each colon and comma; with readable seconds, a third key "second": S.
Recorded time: {"hour": 2, "minute": 50}
